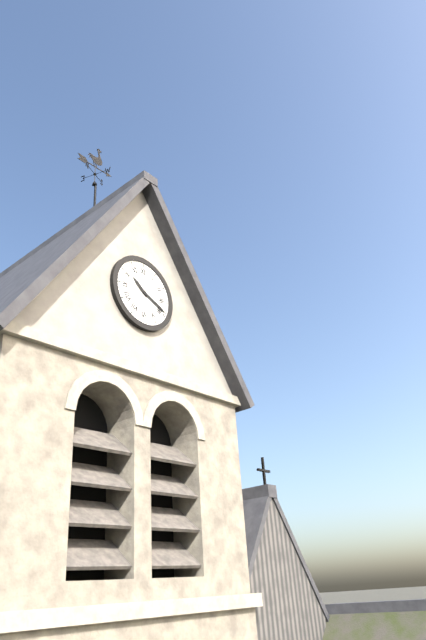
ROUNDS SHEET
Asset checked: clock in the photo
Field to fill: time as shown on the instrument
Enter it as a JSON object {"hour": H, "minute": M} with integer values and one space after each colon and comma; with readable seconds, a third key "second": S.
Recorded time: {"hour": 10, "minute": 19}
